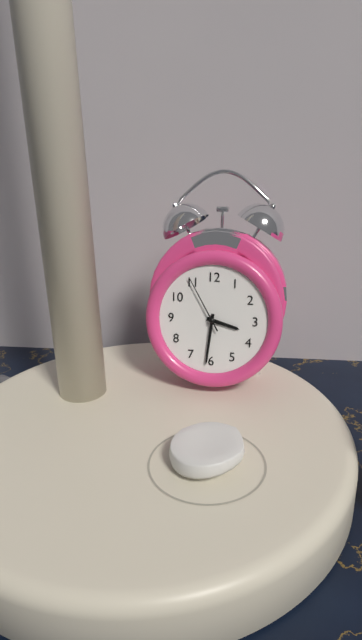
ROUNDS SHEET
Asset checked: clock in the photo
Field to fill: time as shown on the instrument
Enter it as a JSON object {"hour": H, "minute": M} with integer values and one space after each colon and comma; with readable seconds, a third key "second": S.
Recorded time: {"hour": 3, "minute": 31, "second": 55}
